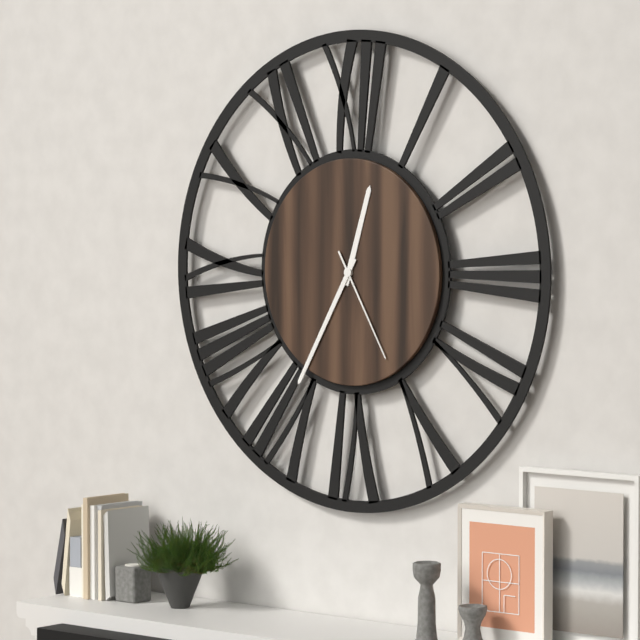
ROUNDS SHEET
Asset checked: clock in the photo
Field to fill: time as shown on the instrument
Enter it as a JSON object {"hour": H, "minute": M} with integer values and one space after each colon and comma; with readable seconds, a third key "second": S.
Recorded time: {"hour": 12, "minute": 35, "second": 25}
